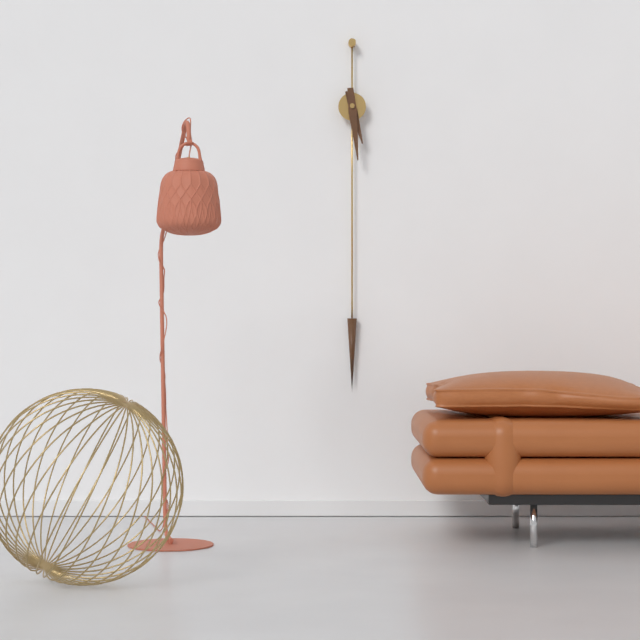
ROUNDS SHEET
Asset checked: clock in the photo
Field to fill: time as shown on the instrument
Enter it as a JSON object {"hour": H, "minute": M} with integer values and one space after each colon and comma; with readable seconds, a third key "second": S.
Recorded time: {"hour": 5, "minute": 29}
